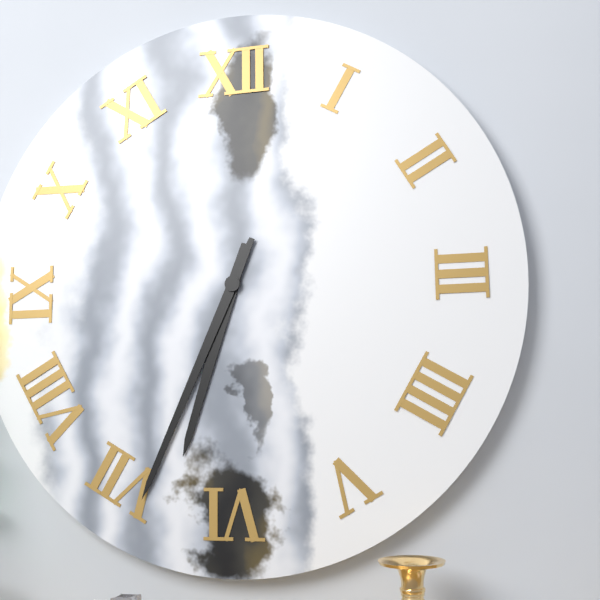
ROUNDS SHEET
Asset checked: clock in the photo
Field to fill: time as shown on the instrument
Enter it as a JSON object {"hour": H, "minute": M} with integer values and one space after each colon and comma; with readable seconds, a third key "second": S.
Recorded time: {"hour": 6, "minute": 34}
